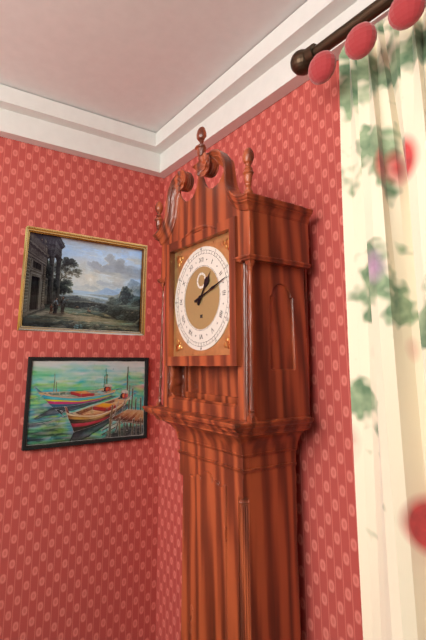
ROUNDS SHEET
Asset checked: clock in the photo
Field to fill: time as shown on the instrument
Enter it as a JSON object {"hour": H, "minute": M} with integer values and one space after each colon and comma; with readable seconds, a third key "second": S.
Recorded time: {"hour": 1, "minute": 12}
